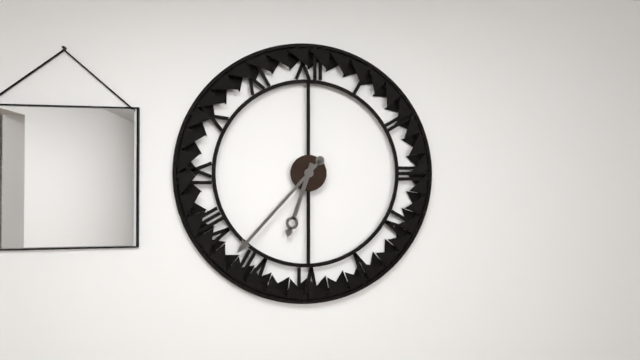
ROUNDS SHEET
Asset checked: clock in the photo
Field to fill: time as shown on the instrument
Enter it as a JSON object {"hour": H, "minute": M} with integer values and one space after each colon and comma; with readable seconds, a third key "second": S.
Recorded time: {"hour": 6, "minute": 37}
